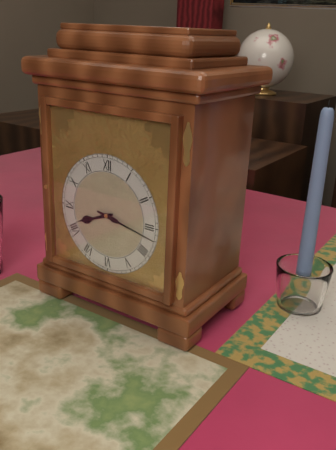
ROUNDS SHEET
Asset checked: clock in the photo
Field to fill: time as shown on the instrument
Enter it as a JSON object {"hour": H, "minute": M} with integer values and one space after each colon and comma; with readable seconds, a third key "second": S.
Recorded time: {"hour": 8, "minute": 17}
